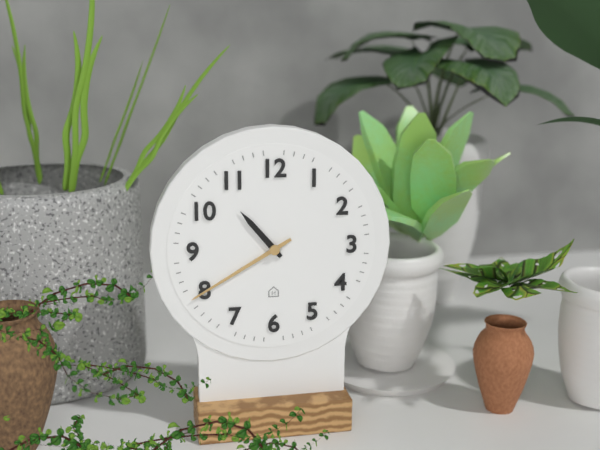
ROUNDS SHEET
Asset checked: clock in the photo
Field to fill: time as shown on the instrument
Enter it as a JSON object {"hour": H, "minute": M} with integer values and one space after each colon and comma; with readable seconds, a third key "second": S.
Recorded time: {"hour": 10, "minute": 40}
